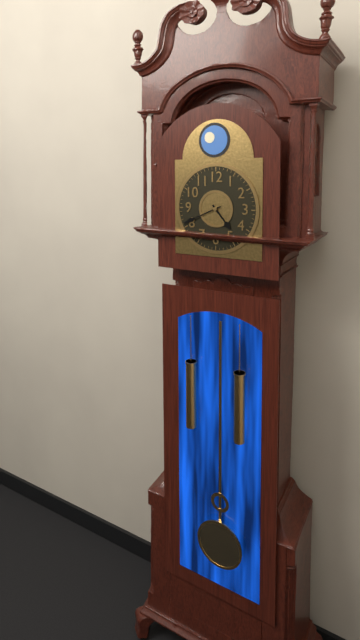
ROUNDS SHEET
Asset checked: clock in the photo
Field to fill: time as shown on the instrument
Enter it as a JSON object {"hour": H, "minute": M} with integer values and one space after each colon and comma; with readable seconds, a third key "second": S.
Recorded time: {"hour": 4, "minute": 41}
